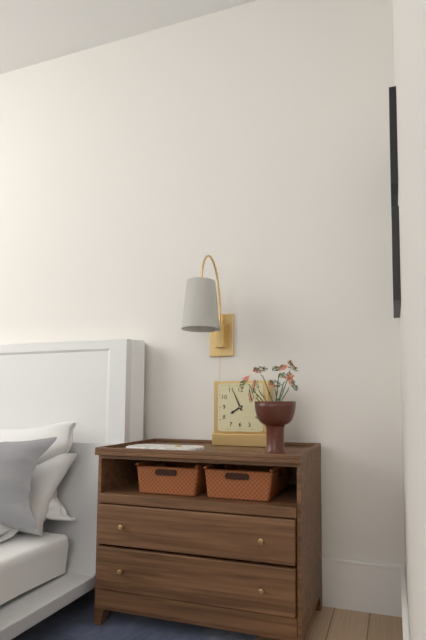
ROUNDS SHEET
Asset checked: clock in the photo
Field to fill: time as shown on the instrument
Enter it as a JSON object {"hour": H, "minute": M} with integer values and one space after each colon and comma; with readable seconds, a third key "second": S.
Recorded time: {"hour": 7, "minute": 56}
